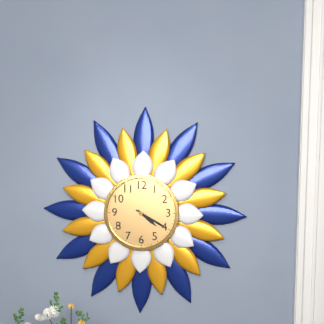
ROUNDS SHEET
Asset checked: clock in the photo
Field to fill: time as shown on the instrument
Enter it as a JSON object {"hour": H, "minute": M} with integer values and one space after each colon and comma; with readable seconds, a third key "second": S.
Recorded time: {"hour": 4, "minute": 20}
